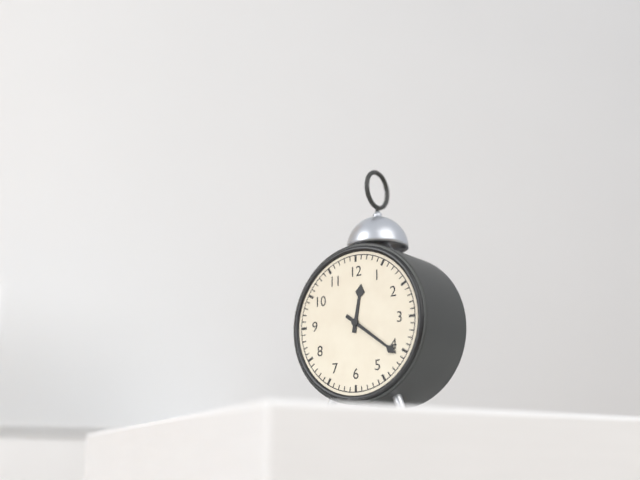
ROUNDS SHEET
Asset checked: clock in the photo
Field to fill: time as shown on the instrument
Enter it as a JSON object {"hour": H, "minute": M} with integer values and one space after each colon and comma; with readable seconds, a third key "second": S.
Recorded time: {"hour": 12, "minute": 21}
